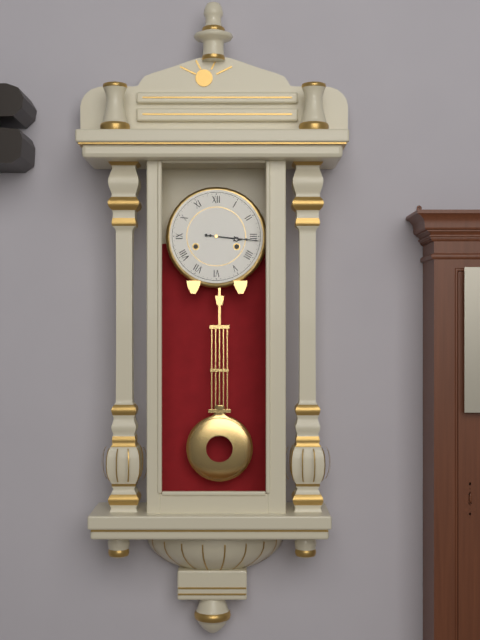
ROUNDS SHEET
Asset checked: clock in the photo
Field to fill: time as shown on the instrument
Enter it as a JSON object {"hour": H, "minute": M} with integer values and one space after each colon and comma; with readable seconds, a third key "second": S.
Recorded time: {"hour": 3, "minute": 16}
